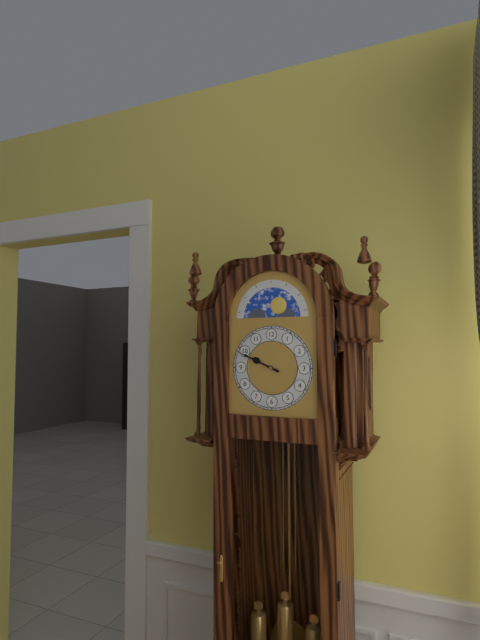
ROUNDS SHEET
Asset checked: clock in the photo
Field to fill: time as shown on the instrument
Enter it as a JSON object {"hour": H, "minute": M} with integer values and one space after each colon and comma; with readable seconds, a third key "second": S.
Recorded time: {"hour": 9, "minute": 49}
